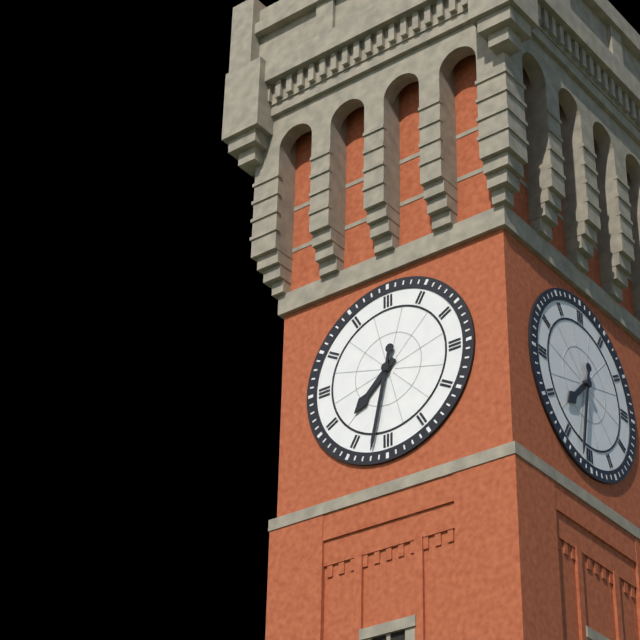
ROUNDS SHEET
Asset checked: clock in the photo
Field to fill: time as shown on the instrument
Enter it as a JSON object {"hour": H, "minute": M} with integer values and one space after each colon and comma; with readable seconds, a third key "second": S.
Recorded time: {"hour": 7, "minute": 32}
